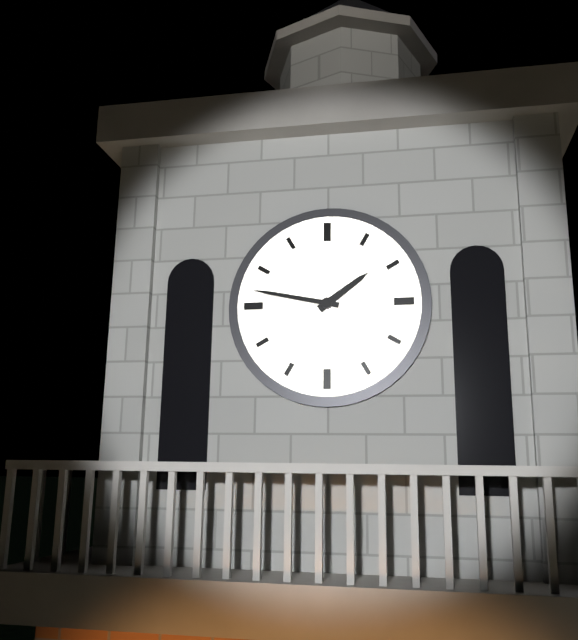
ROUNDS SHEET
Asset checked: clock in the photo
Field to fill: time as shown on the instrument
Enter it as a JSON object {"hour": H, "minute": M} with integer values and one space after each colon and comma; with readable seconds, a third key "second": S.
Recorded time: {"hour": 1, "minute": 47}
